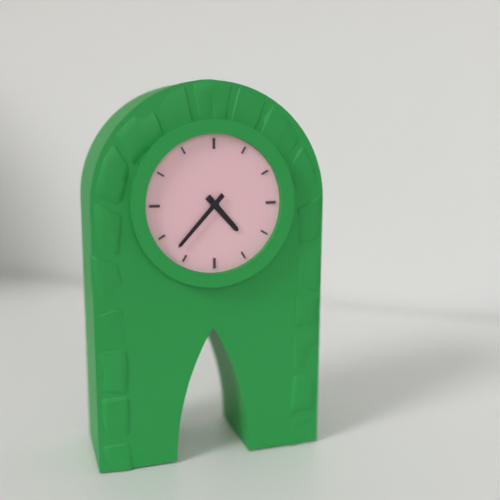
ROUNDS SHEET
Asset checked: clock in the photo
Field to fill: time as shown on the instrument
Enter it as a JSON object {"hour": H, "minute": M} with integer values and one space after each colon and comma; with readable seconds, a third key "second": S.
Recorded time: {"hour": 4, "minute": 37}
